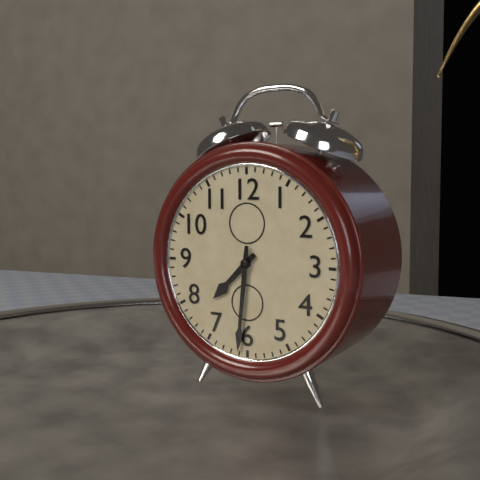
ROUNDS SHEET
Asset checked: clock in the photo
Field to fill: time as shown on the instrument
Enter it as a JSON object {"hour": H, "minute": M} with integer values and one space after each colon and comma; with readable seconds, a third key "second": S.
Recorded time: {"hour": 7, "minute": 31}
